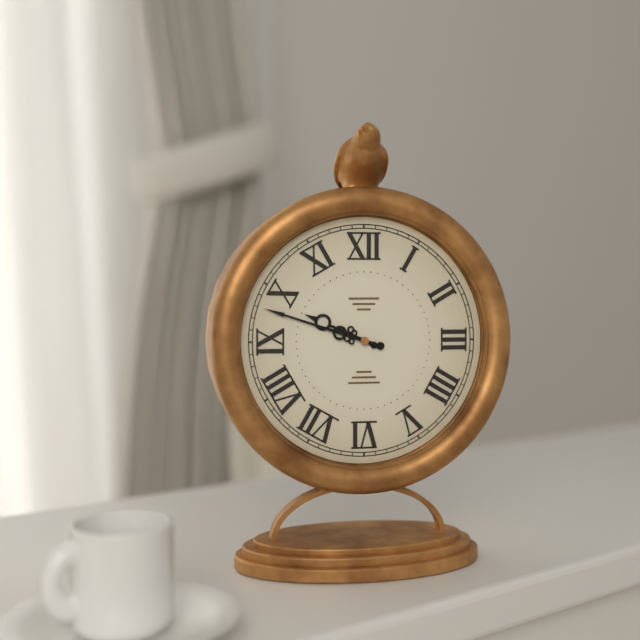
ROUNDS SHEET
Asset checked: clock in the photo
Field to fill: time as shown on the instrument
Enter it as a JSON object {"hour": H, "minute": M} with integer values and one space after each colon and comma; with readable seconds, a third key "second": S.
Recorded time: {"hour": 9, "minute": 48}
